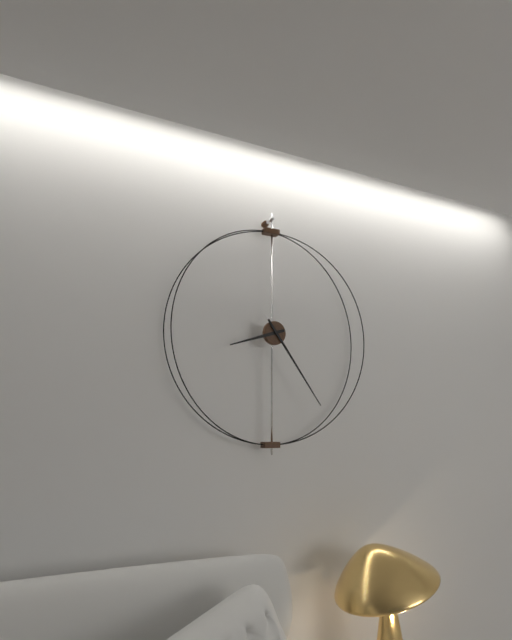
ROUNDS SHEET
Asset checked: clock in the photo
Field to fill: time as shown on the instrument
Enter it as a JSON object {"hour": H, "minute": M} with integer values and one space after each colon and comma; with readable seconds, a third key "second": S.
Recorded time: {"hour": 8, "minute": 24}
